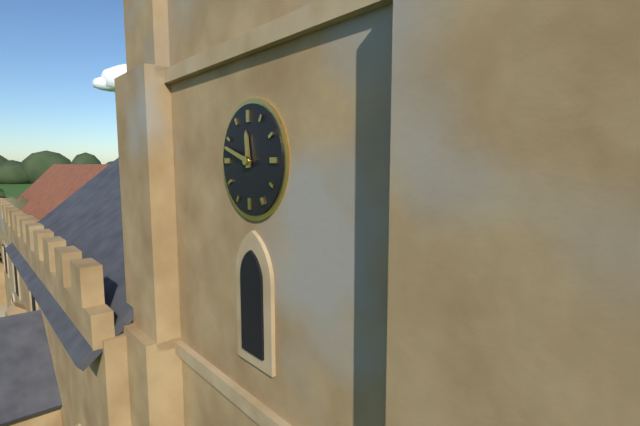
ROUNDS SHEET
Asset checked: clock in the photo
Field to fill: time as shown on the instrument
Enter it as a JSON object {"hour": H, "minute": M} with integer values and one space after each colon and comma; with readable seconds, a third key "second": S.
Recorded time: {"hour": 11, "minute": 48}
